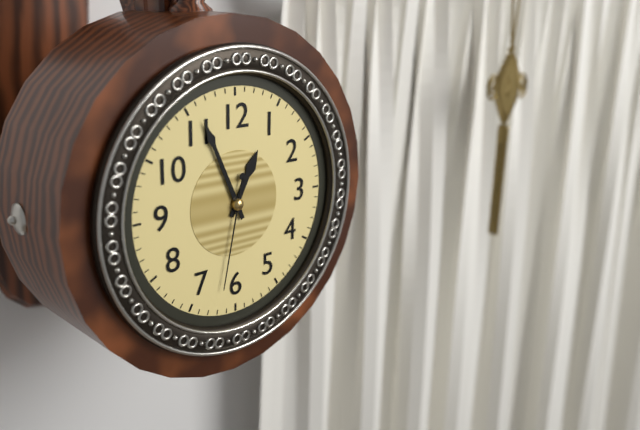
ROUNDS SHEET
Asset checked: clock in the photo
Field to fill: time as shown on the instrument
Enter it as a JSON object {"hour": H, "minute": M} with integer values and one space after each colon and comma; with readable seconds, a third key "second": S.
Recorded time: {"hour": 12, "minute": 56, "second": 32}
